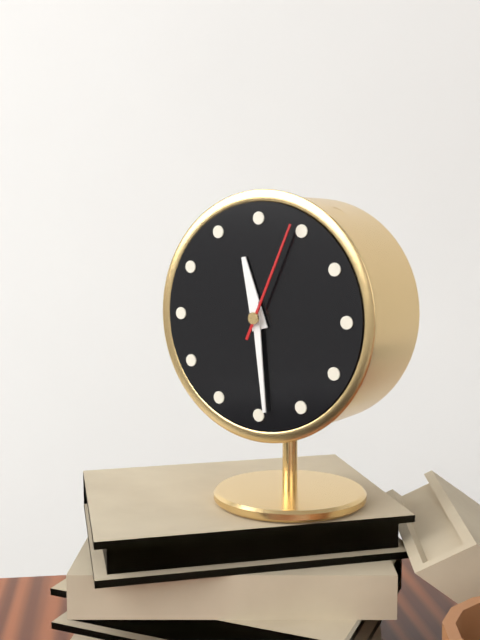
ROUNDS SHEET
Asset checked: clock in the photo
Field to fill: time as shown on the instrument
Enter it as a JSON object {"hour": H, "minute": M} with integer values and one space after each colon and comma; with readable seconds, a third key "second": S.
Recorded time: {"hour": 11, "minute": 29, "second": 4}
